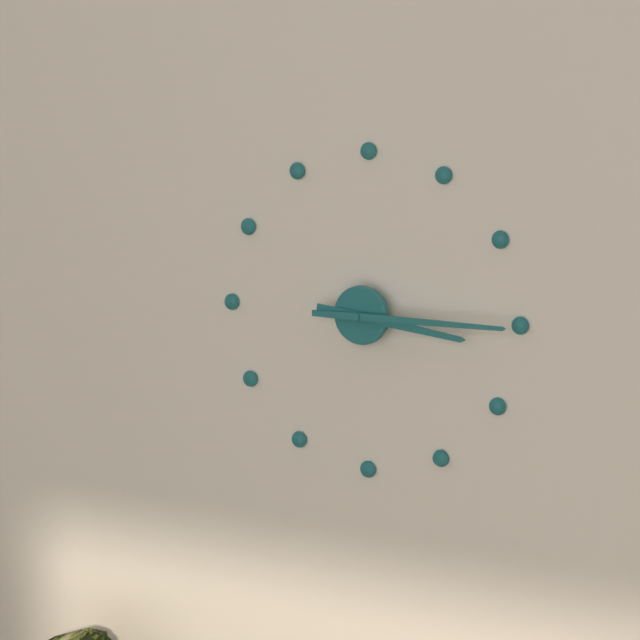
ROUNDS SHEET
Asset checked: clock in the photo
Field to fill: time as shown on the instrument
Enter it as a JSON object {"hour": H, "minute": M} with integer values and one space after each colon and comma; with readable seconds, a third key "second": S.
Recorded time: {"hour": 3, "minute": 15}
